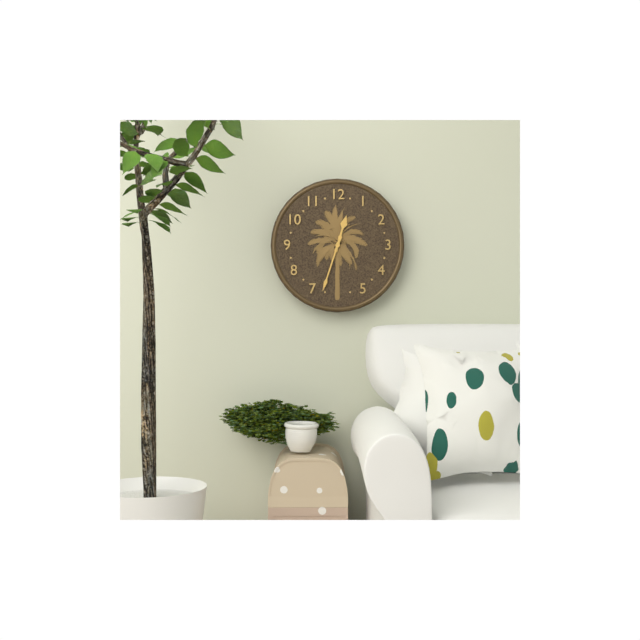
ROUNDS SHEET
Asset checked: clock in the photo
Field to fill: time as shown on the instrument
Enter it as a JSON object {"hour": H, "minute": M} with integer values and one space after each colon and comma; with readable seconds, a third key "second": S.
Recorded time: {"hour": 12, "minute": 33}
